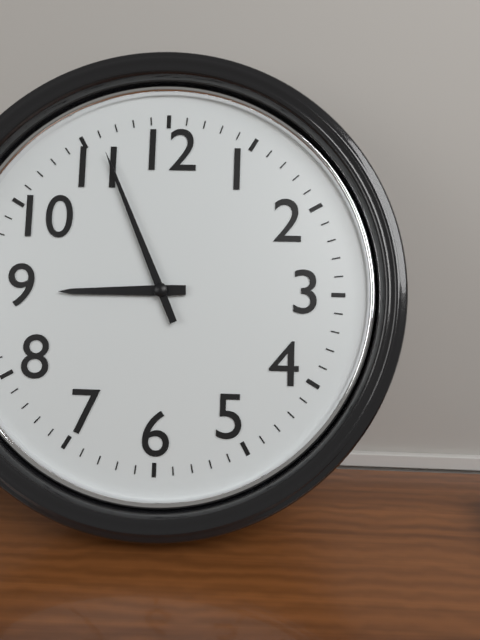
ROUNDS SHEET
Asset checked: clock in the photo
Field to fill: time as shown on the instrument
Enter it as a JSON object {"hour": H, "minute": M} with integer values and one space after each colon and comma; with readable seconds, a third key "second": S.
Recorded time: {"hour": 8, "minute": 56}
